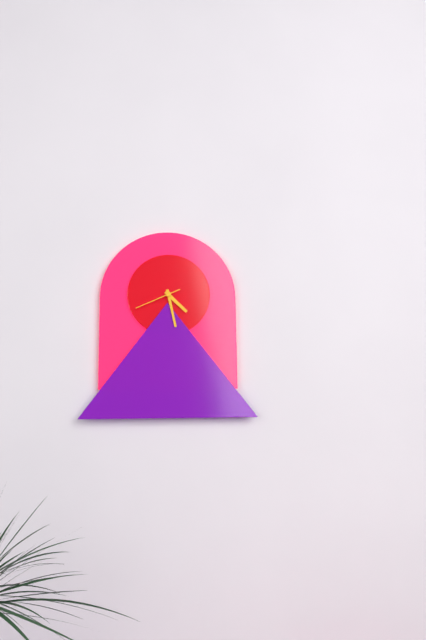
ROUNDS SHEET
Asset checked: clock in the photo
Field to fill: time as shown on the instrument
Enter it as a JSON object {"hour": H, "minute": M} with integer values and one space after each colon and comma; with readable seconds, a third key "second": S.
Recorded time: {"hour": 4, "minute": 28}
